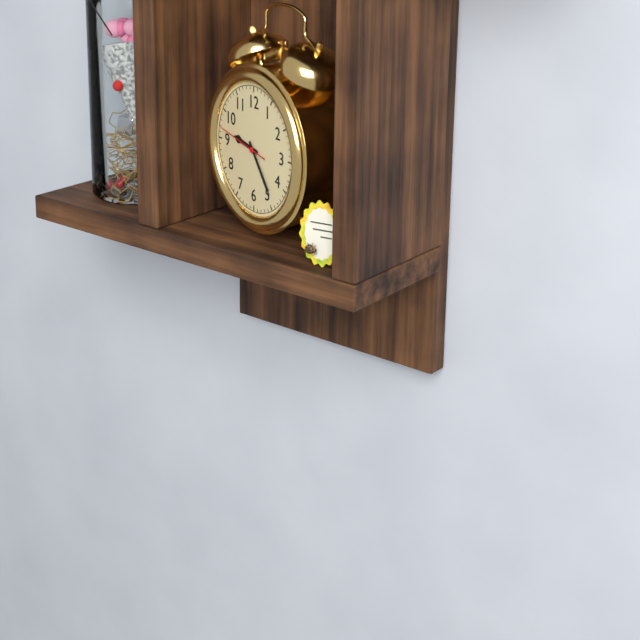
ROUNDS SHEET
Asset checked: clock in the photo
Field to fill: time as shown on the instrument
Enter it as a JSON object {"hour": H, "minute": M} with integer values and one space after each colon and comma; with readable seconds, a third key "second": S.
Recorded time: {"hour": 9, "minute": 24, "second": 47}
